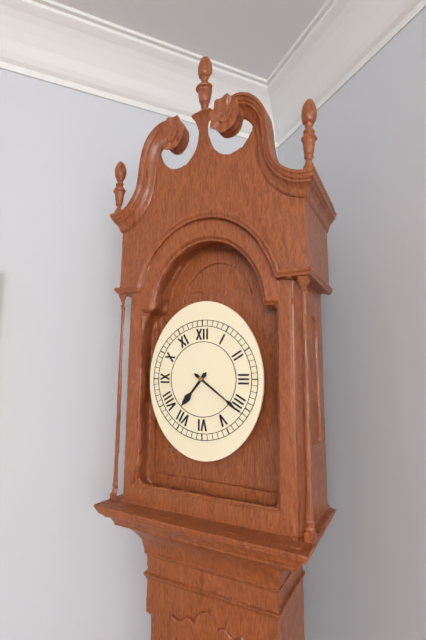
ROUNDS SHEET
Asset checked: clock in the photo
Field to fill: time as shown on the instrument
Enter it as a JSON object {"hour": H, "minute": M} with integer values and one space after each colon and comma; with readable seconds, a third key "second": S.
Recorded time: {"hour": 7, "minute": 21}
